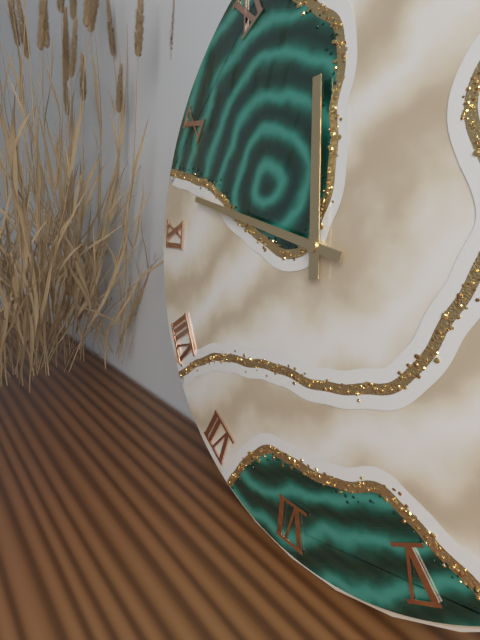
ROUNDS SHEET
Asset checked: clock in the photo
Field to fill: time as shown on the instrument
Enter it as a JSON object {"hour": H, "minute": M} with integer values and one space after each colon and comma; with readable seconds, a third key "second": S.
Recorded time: {"hour": 11, "minute": 47}
